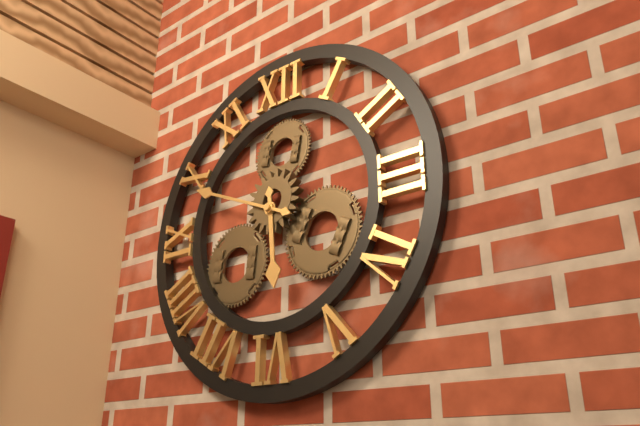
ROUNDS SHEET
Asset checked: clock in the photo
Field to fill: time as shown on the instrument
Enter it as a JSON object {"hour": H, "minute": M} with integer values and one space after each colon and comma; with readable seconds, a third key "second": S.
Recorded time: {"hour": 5, "minute": 49}
